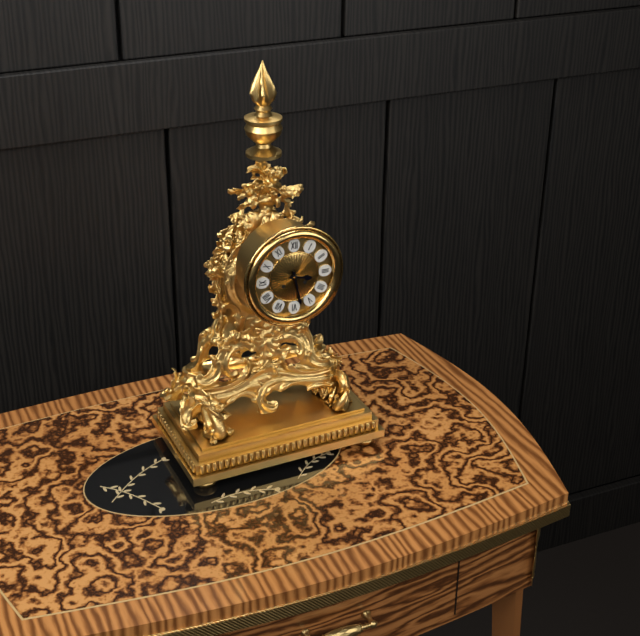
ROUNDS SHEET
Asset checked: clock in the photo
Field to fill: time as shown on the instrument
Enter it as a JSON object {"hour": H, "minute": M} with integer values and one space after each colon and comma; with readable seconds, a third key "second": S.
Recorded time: {"hour": 3, "minute": 28}
